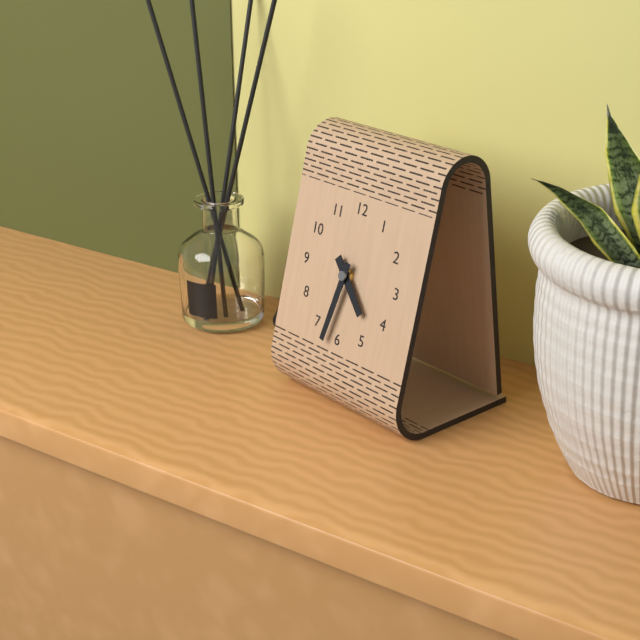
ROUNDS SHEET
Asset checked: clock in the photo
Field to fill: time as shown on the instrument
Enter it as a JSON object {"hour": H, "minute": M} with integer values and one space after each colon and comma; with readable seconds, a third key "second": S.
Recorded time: {"hour": 4, "minute": 32}
